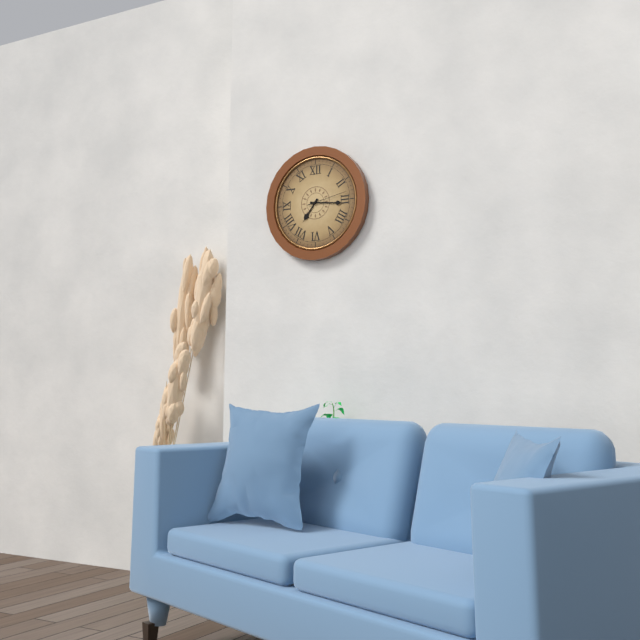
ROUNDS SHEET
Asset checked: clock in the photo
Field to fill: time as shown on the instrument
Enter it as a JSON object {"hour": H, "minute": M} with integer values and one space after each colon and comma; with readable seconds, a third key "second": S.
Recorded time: {"hour": 7, "minute": 16}
